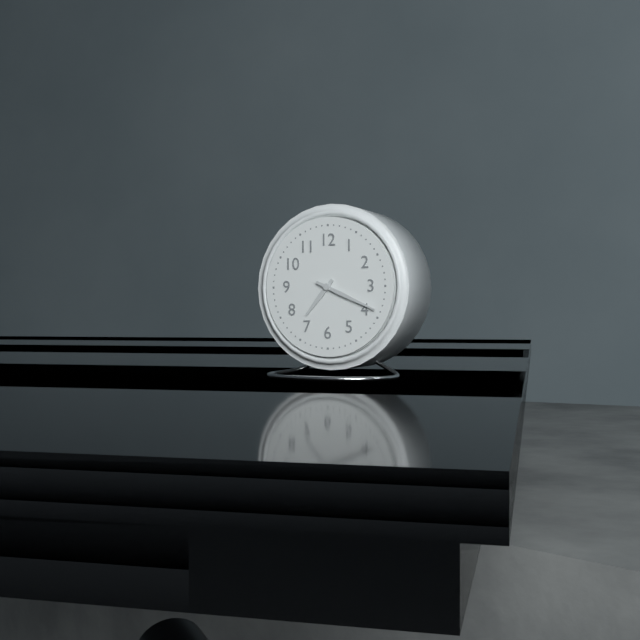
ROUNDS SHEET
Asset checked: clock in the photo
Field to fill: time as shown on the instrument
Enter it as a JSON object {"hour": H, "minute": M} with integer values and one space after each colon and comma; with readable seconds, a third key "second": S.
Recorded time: {"hour": 7, "minute": 19}
